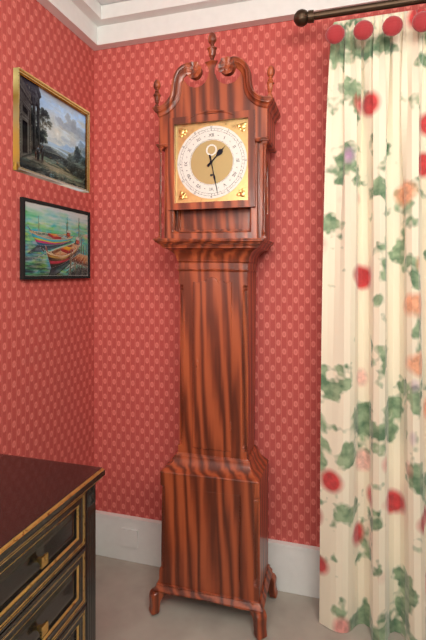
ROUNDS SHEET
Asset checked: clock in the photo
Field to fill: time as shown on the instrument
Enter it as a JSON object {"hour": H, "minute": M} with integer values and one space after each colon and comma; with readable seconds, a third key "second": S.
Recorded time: {"hour": 1, "minute": 28}
